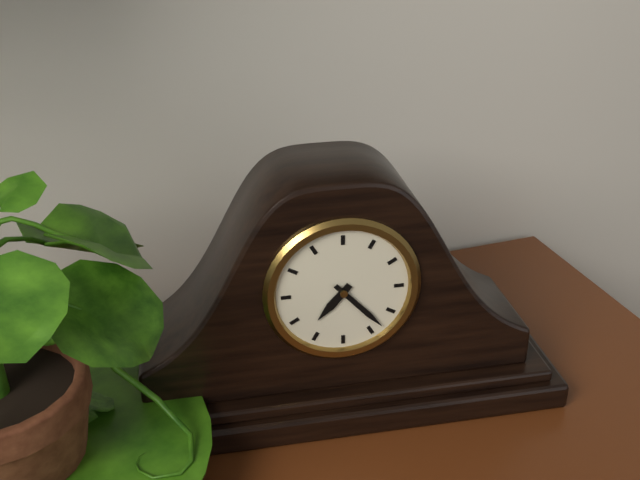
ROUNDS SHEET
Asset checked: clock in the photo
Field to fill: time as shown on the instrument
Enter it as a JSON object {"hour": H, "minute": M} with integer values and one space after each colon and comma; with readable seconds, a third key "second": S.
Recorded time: {"hour": 7, "minute": 23}
